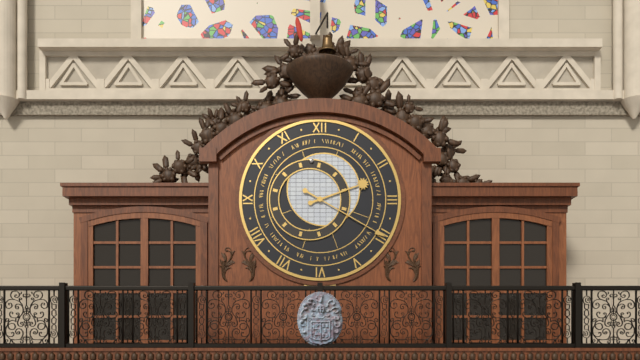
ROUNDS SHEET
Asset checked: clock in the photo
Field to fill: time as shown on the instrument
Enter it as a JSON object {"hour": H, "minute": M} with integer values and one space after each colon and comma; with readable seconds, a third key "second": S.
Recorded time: {"hour": 2, "minute": 20}
